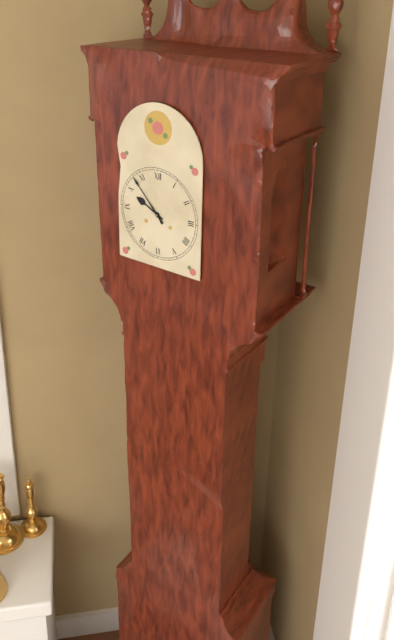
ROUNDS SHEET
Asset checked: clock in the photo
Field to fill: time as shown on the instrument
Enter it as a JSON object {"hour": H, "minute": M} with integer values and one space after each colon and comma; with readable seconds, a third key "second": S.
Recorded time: {"hour": 9, "minute": 53}
